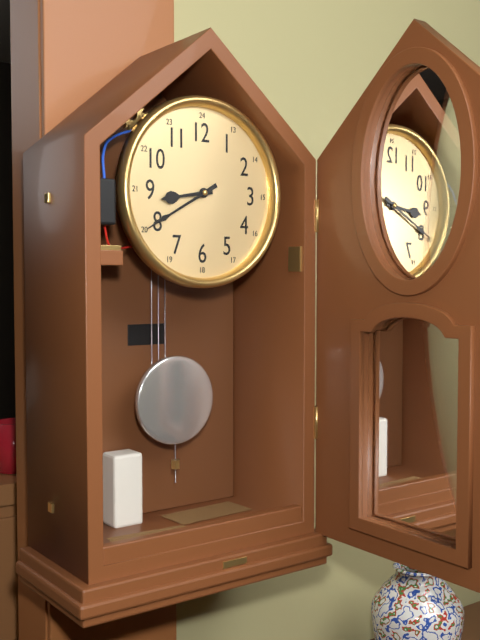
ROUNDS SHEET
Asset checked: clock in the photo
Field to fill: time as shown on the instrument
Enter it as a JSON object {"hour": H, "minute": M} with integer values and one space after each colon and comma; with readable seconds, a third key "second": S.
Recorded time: {"hour": 8, "minute": 40}
